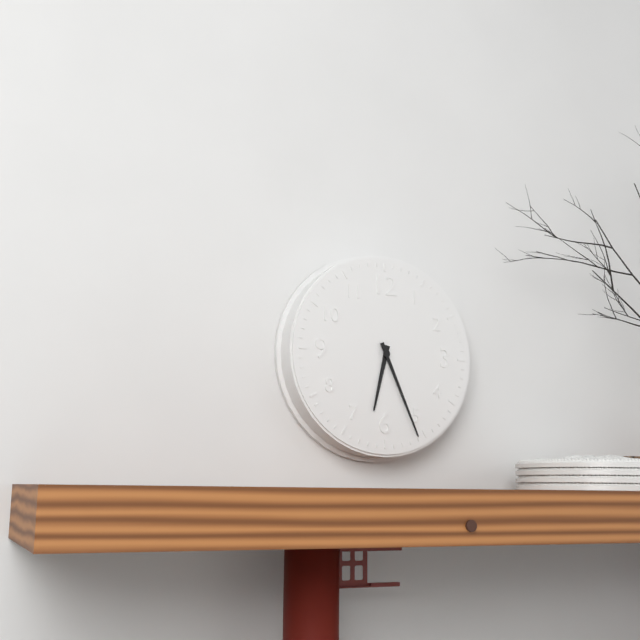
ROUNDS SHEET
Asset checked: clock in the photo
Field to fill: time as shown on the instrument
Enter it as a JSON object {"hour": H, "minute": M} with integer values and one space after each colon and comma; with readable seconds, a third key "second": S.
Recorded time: {"hour": 6, "minute": 26}
